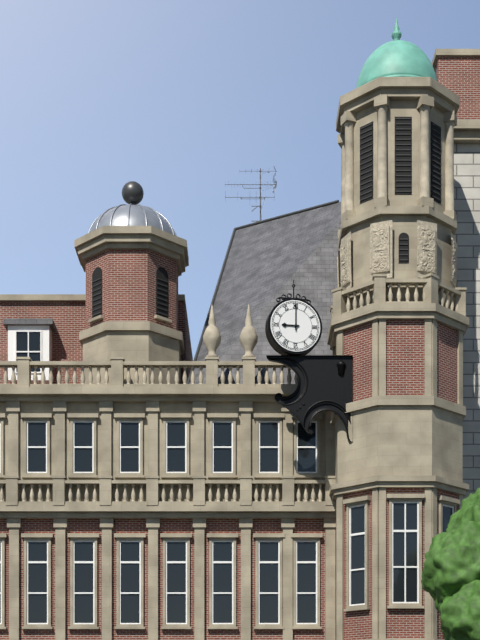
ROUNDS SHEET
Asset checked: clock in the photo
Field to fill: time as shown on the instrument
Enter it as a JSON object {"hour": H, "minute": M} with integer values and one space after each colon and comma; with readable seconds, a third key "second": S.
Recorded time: {"hour": 9, "minute": 0}
